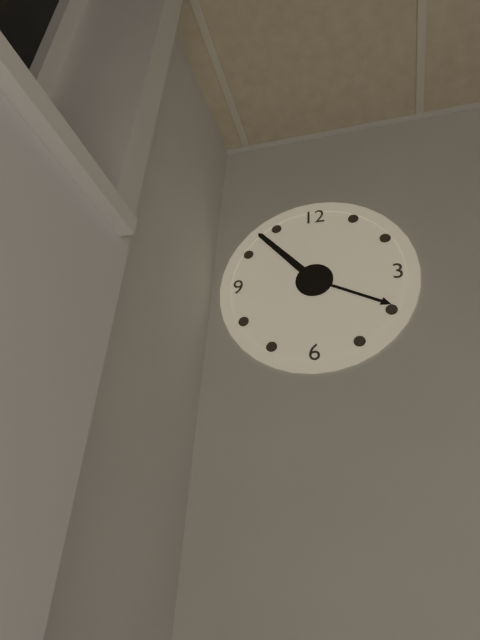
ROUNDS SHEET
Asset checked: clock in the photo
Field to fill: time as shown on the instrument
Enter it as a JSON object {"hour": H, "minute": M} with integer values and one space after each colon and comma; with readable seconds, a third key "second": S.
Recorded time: {"hour": 3, "minute": 53}
